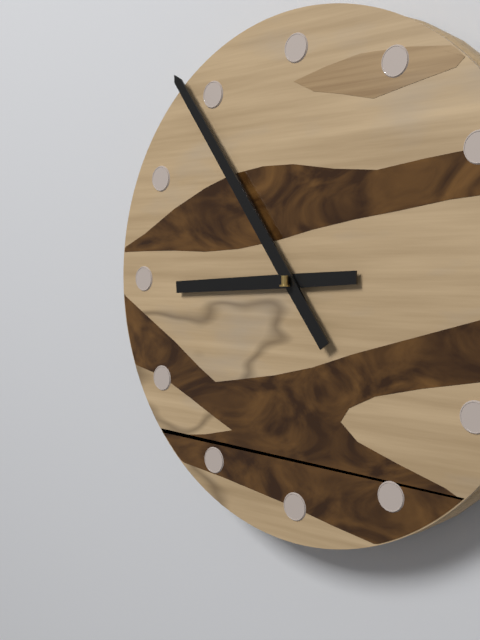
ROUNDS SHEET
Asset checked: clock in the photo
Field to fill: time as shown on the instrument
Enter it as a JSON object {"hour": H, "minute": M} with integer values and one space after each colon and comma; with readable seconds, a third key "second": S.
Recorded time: {"hour": 8, "minute": 54}
